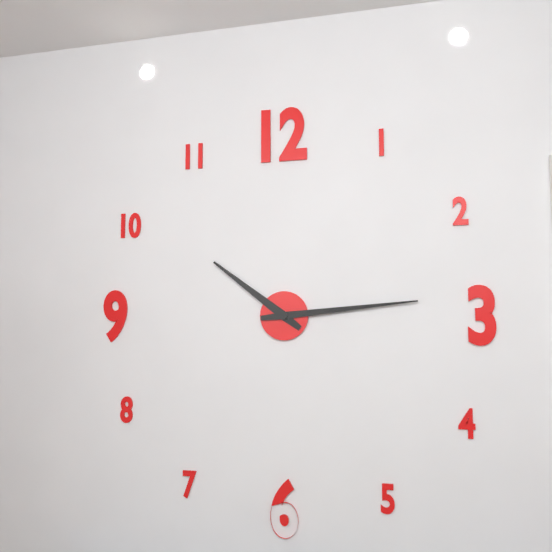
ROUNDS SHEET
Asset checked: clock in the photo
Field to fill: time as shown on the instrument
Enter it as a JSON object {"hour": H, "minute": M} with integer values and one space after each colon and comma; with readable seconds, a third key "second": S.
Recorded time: {"hour": 10, "minute": 14}
